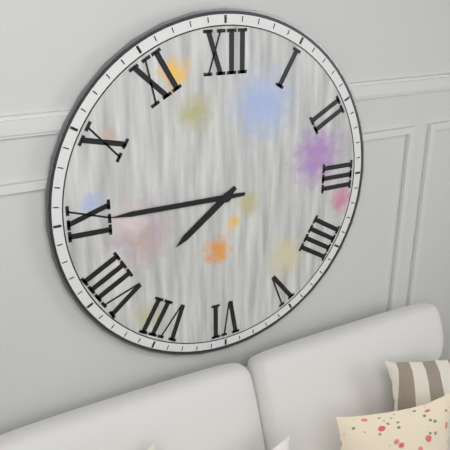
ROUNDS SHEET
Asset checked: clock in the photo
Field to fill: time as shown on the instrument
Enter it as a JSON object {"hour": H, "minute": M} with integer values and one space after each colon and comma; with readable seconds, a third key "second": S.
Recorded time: {"hour": 7, "minute": 45}
